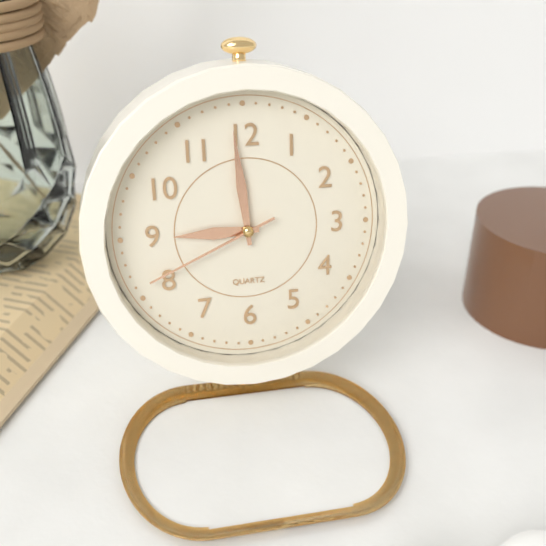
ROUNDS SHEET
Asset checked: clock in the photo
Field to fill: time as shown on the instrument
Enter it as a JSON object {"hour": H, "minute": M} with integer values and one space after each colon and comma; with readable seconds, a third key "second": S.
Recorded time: {"hour": 8, "minute": 59, "second": 41}
